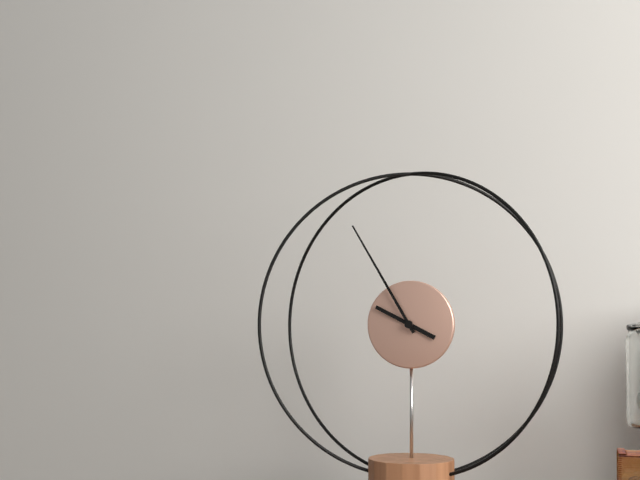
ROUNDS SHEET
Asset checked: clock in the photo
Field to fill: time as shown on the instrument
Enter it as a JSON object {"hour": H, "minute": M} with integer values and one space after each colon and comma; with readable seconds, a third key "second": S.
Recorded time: {"hour": 9, "minute": 55}
